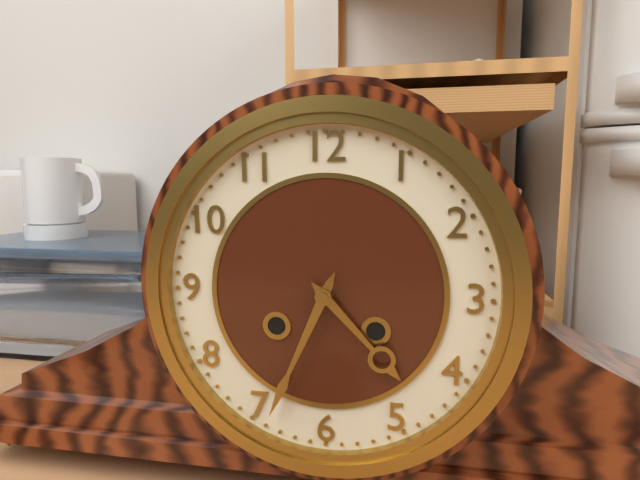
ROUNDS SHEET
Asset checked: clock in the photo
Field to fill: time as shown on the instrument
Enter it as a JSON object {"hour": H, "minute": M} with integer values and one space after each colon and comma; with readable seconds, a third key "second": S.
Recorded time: {"hour": 4, "minute": 34}
